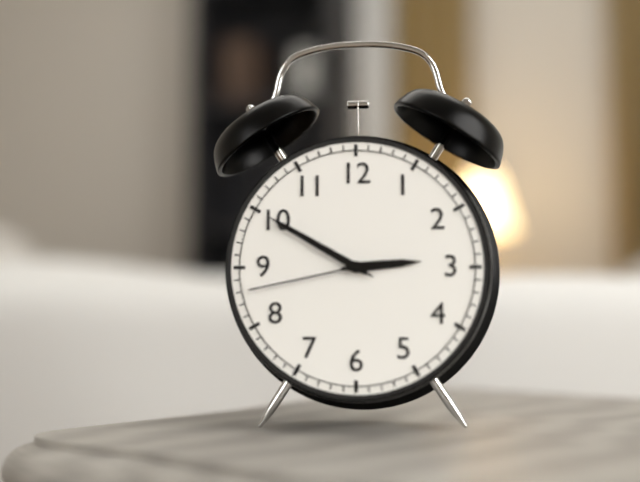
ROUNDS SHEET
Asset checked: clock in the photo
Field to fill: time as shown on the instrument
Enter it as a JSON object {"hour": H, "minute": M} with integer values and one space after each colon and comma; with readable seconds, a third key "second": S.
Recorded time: {"hour": 2, "minute": 50, "second": 43}
